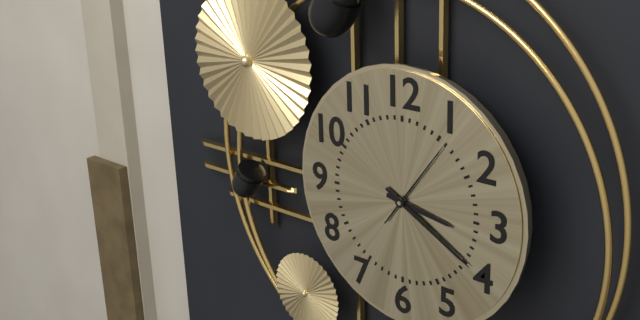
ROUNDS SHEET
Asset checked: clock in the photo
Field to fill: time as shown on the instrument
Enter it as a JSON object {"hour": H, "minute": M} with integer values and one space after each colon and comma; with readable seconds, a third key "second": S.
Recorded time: {"hour": 3, "minute": 20, "second": 6}
